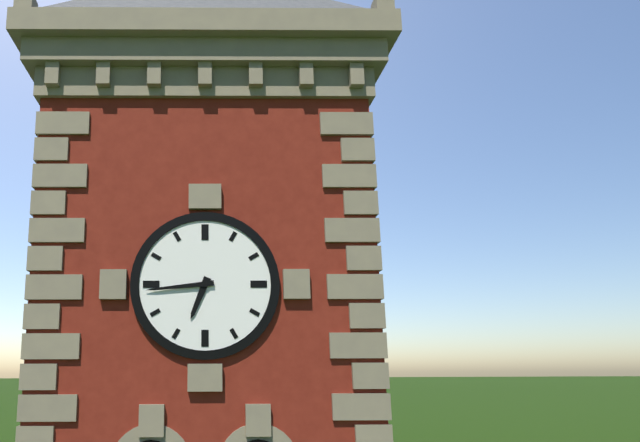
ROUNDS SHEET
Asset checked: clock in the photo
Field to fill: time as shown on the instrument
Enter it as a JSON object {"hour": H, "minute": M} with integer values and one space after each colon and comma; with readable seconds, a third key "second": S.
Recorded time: {"hour": 6, "minute": 44}
